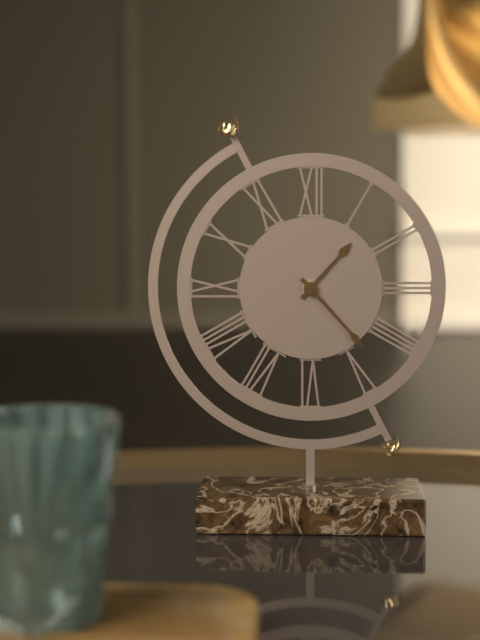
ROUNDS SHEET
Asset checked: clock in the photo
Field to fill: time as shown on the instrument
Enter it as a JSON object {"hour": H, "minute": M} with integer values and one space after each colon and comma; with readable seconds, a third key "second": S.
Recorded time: {"hour": 1, "minute": 23}
